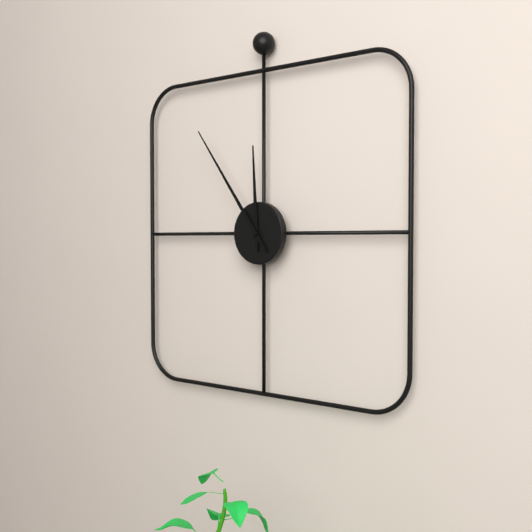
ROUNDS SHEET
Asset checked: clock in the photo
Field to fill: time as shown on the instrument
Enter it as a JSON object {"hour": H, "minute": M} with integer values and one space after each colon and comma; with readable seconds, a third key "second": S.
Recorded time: {"hour": 11, "minute": 54}
